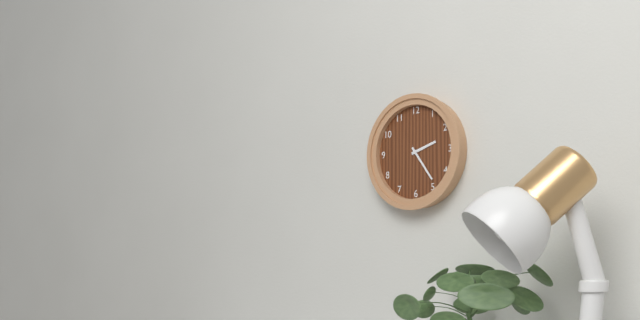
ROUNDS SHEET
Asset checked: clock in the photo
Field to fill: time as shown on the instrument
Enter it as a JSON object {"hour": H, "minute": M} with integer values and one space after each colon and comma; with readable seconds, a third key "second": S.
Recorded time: {"hour": 2, "minute": 24}
